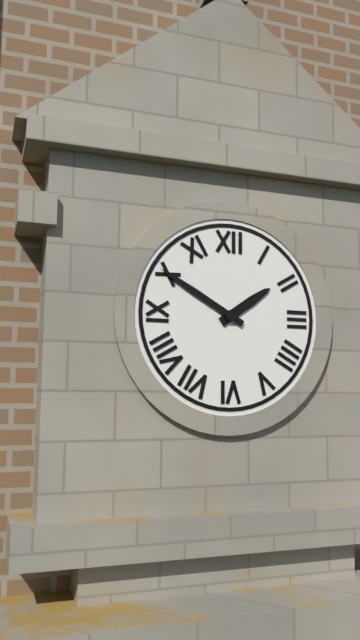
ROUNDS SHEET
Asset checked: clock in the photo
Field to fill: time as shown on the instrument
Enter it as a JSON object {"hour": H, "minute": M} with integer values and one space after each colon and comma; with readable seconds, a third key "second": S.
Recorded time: {"hour": 1, "minute": 50}
